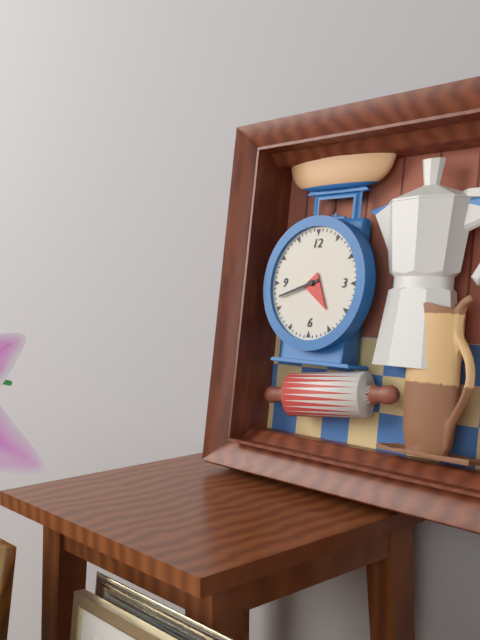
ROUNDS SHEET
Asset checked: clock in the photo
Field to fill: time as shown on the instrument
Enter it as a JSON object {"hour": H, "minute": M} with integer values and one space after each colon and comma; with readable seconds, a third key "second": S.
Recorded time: {"hour": 4, "minute": 42}
